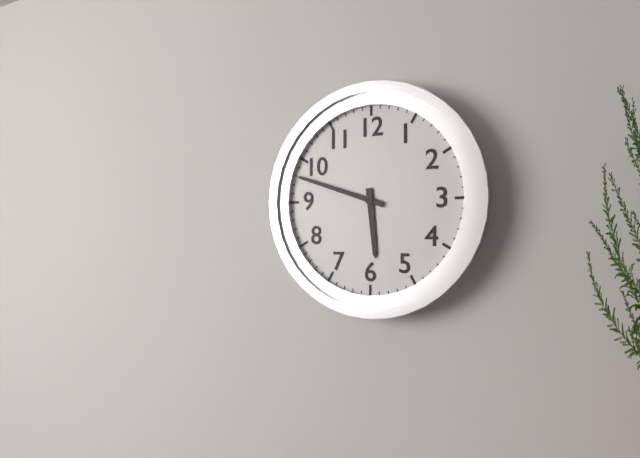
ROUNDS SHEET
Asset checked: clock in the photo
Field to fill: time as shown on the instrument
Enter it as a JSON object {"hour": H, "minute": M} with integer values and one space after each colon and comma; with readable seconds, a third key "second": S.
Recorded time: {"hour": 5, "minute": 48}
